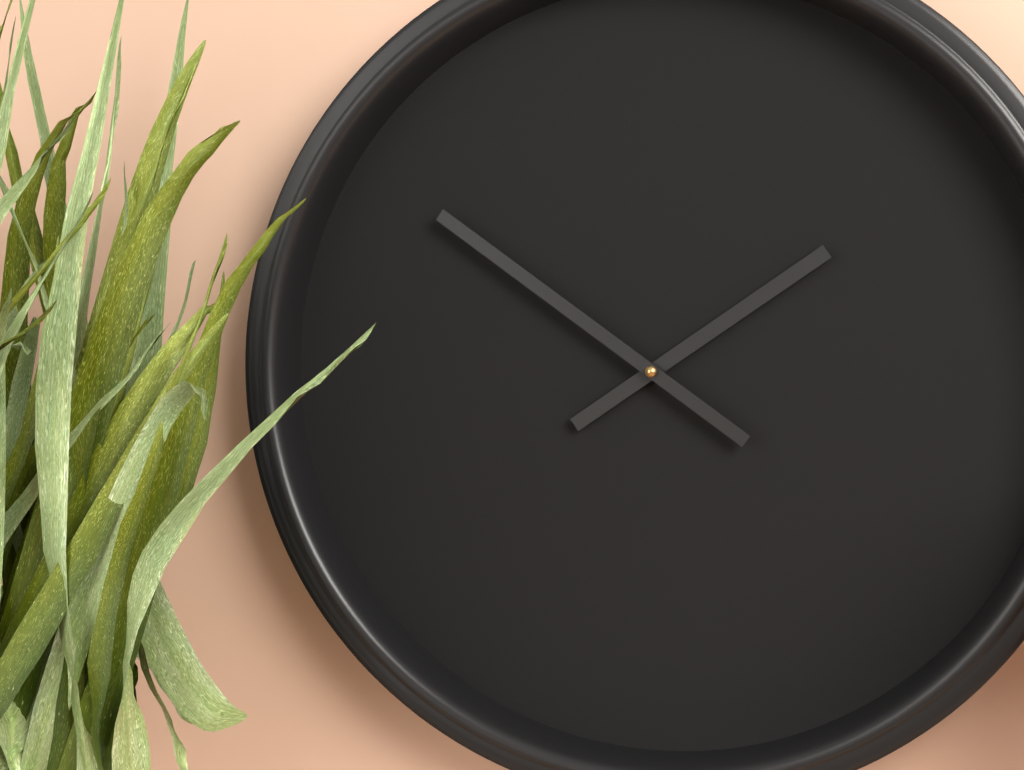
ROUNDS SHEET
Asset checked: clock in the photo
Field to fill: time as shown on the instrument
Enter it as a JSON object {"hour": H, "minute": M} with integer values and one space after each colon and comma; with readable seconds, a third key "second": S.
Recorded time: {"hour": 1, "minute": 51}
